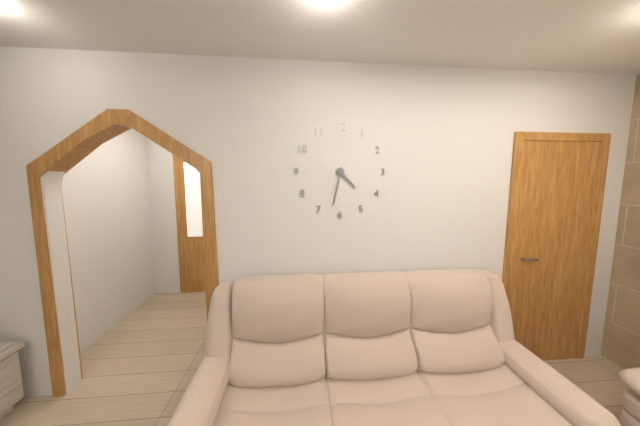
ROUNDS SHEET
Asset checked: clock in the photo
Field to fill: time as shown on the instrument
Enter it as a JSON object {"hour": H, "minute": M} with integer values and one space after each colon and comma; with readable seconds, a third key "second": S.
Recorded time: {"hour": 4, "minute": 32}
